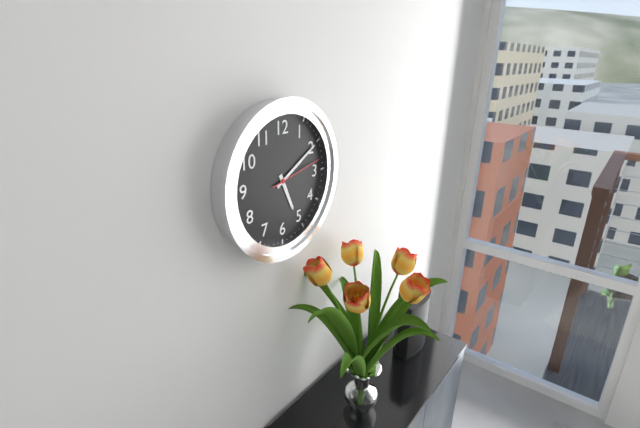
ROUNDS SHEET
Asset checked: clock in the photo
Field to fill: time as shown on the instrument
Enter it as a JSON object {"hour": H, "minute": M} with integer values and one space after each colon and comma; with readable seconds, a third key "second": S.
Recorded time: {"hour": 5, "minute": 10, "second": 13}
